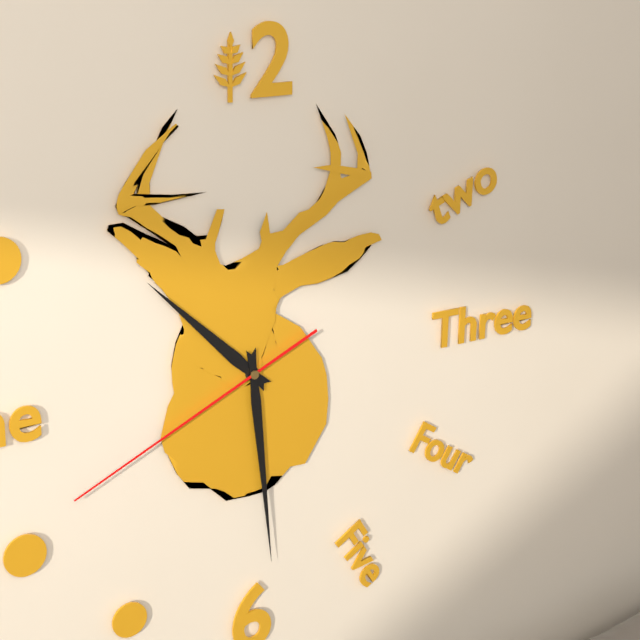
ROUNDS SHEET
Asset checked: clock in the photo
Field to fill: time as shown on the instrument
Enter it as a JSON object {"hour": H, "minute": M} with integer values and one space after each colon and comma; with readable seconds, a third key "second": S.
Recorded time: {"hour": 10, "minute": 29, "second": 41}
